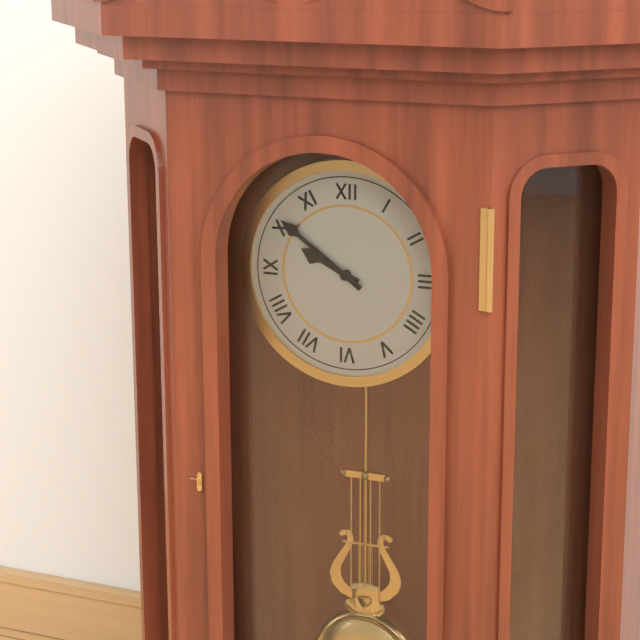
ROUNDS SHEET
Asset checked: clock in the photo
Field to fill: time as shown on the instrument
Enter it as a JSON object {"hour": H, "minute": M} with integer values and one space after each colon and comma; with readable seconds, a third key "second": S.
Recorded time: {"hour": 9, "minute": 51}
